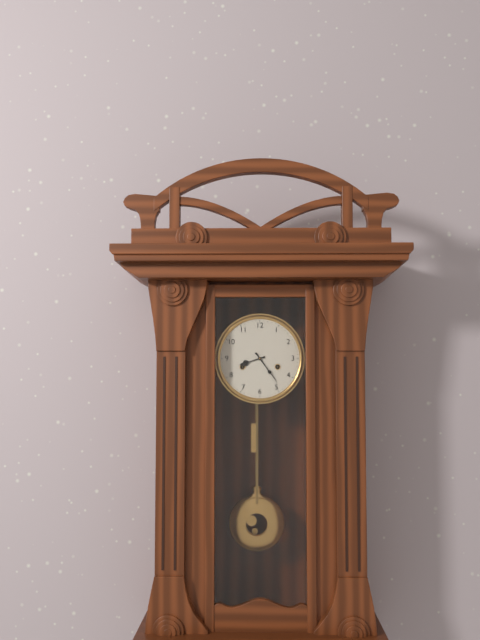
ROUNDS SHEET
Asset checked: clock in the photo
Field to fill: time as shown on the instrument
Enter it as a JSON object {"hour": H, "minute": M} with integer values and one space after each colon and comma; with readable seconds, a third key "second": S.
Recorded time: {"hour": 8, "minute": 24}
